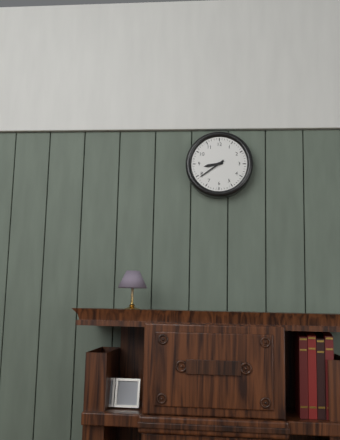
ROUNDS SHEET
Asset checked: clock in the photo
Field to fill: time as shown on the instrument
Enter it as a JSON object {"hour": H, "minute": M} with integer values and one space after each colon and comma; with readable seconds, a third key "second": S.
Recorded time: {"hour": 8, "minute": 39}
